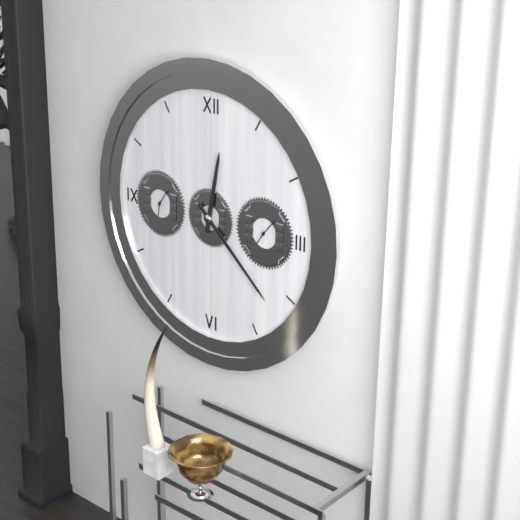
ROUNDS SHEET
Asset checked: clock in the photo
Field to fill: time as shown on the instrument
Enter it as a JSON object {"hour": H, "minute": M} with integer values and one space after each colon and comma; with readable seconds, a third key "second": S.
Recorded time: {"hour": 12, "minute": 22}
